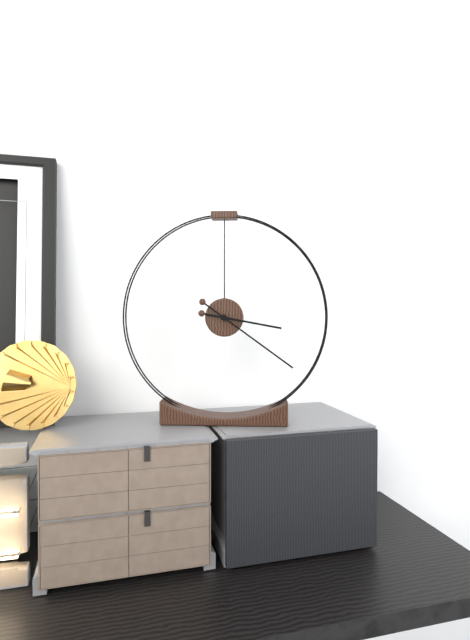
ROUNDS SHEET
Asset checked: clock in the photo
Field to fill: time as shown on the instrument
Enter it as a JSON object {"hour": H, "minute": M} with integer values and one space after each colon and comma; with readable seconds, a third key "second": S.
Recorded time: {"hour": 3, "minute": 21}
